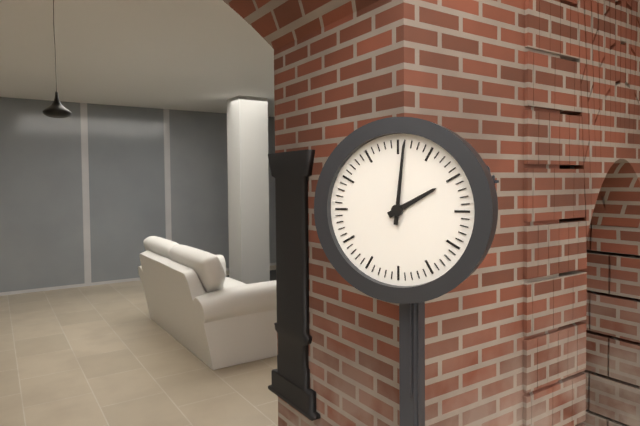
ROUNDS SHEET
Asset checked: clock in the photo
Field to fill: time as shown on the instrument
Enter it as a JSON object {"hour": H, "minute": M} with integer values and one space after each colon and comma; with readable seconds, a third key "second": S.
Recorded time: {"hour": 2, "minute": 1}
